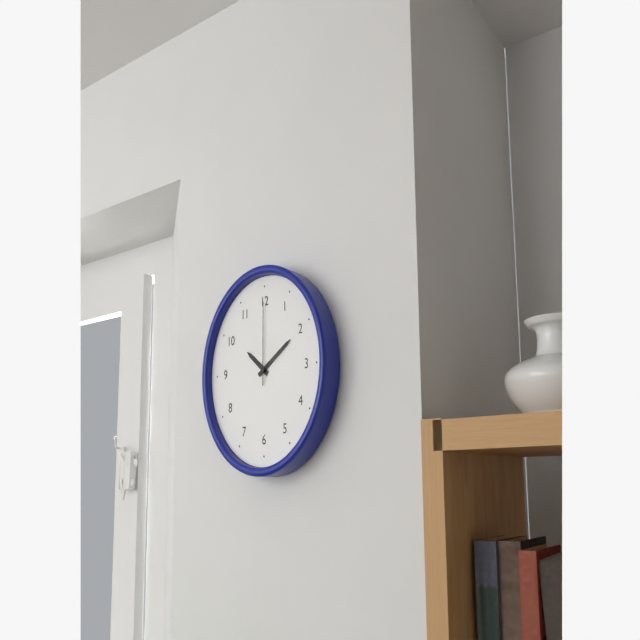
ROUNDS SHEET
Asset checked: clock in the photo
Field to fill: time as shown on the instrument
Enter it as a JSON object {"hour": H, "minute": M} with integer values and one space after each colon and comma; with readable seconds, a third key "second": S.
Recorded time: {"hour": 10, "minute": 10, "second": 0}
